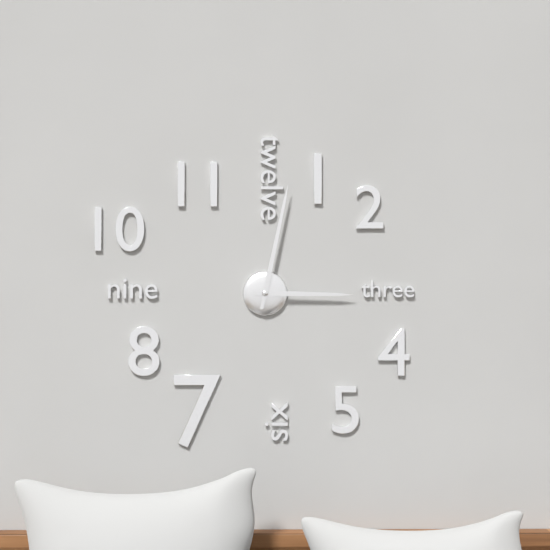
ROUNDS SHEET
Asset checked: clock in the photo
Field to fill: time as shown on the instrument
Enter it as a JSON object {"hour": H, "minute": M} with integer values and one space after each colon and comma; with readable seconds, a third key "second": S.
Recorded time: {"hour": 3, "minute": 2}
